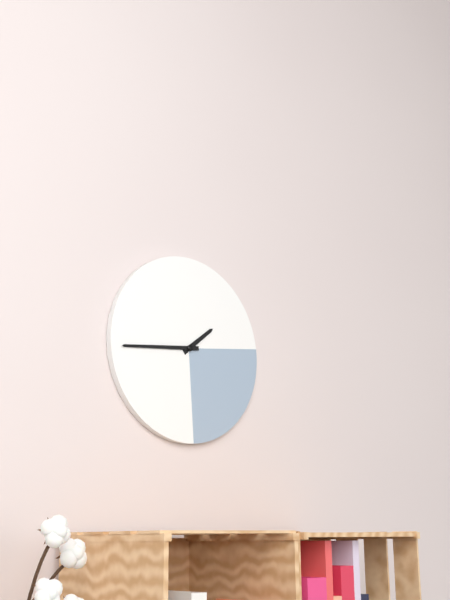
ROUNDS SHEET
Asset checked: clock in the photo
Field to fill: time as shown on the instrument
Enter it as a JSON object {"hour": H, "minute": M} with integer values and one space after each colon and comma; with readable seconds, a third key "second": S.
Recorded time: {"hour": 1, "minute": 44}
